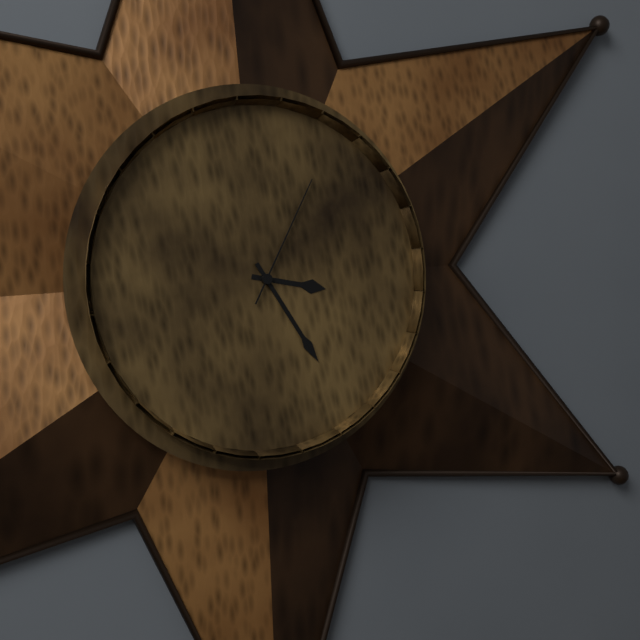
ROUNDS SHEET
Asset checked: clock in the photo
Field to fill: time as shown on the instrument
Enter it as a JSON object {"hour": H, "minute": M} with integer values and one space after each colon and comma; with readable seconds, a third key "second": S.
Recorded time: {"hour": 3, "minute": 25, "second": 5}
